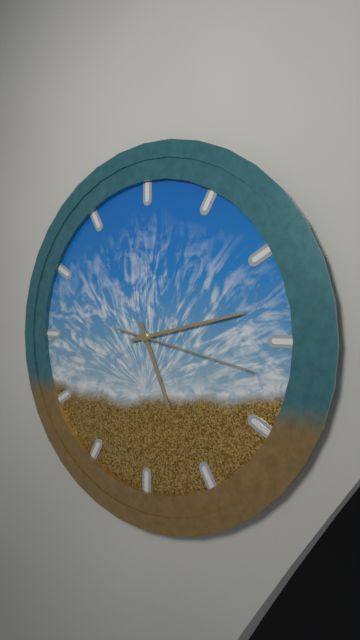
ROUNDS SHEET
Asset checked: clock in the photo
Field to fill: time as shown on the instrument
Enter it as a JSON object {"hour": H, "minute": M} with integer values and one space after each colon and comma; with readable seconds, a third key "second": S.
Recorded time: {"hour": 5, "minute": 13, "second": 17}
